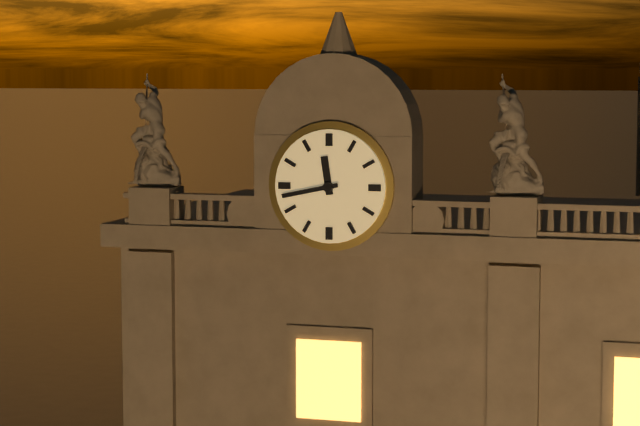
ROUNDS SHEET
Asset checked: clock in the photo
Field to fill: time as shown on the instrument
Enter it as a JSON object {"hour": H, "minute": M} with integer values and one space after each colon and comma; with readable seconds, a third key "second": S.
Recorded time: {"hour": 11, "minute": 43}
